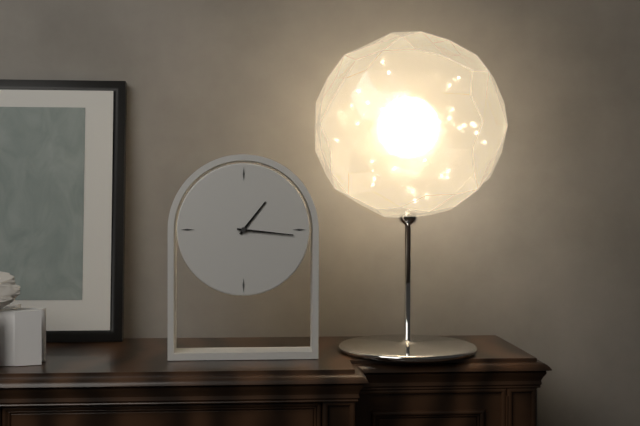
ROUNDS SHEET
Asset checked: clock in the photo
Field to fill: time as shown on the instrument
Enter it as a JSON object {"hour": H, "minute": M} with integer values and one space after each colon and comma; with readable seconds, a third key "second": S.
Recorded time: {"hour": 1, "minute": 16}
